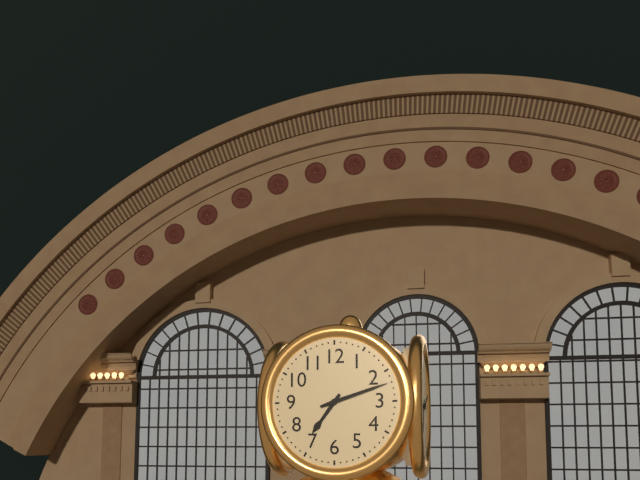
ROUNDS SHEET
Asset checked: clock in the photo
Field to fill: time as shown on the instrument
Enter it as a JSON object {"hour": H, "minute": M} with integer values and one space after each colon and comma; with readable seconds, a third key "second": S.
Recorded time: {"hour": 7, "minute": 12}
